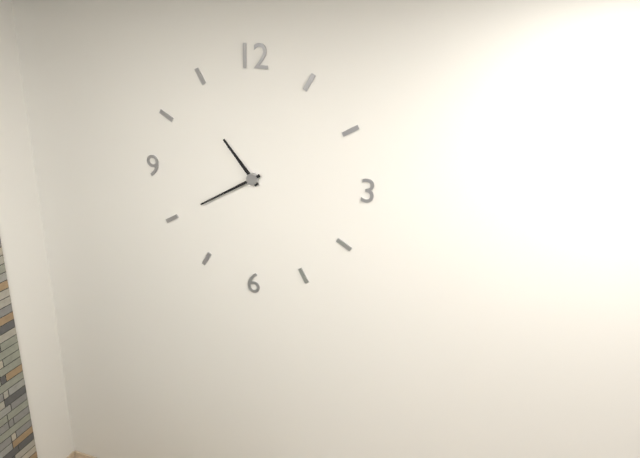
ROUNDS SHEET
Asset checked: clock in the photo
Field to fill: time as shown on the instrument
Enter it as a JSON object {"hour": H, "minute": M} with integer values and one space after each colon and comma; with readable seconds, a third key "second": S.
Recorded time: {"hour": 10, "minute": 40}
